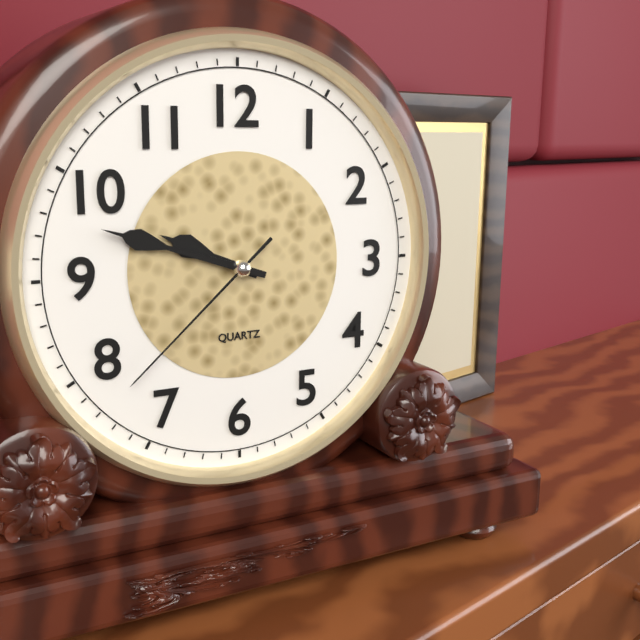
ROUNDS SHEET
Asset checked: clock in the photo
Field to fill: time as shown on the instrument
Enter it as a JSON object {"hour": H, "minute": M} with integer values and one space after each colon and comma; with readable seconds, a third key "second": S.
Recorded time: {"hour": 9, "minute": 48, "second": 38}
